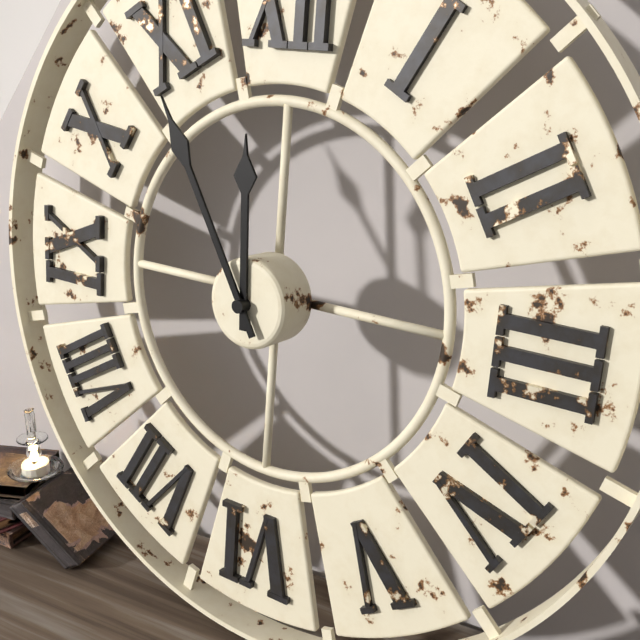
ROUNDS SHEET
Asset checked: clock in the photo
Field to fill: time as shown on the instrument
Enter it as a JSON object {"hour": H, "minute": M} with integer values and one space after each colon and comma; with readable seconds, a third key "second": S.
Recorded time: {"hour": 11, "minute": 55}
